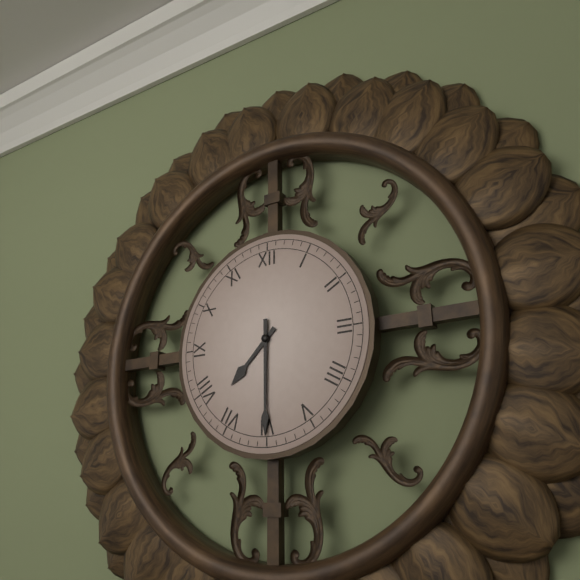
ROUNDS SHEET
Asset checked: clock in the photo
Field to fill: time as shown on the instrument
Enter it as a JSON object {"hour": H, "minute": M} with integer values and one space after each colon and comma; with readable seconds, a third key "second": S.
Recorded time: {"hour": 7, "minute": 30}
